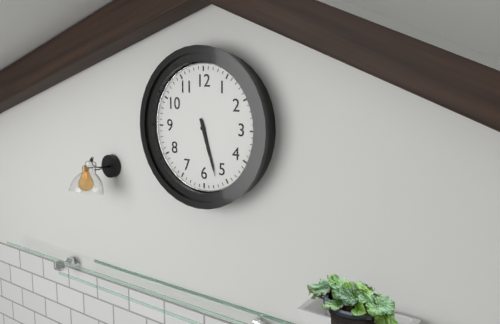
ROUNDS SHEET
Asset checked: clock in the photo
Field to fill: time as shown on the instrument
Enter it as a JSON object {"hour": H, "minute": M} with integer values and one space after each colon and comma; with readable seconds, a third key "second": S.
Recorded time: {"hour": 5, "minute": 27}
